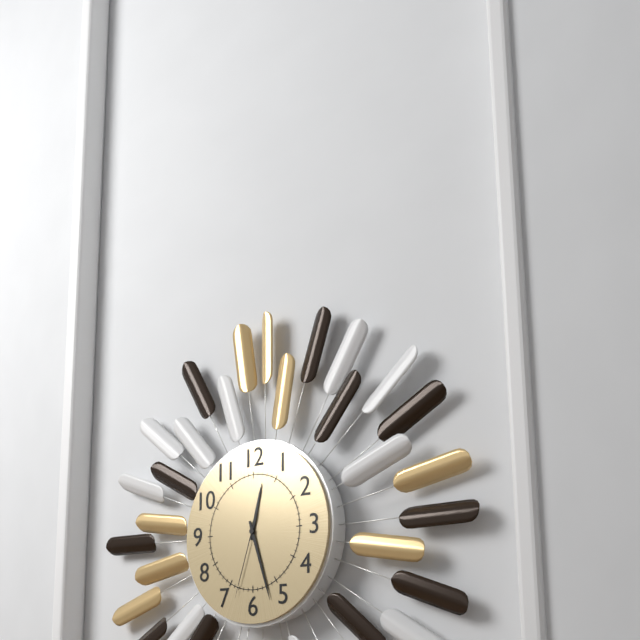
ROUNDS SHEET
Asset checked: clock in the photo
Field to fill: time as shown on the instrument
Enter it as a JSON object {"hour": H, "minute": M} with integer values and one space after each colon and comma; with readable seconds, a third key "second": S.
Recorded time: {"hour": 12, "minute": 27, "second": 33}
